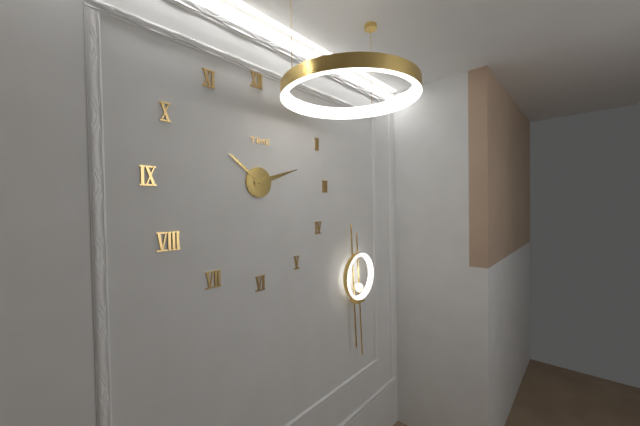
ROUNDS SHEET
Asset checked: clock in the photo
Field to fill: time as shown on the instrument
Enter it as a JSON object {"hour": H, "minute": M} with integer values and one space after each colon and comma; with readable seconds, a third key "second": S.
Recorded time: {"hour": 10, "minute": 12}
